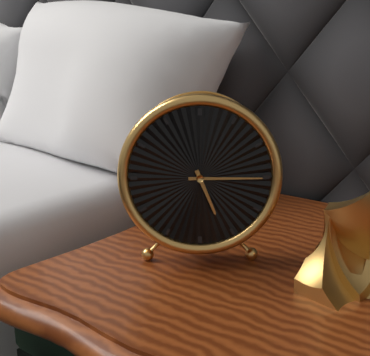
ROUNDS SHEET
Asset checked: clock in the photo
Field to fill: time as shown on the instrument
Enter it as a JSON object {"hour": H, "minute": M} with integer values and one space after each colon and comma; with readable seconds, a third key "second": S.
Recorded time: {"hour": 5, "minute": 15}
